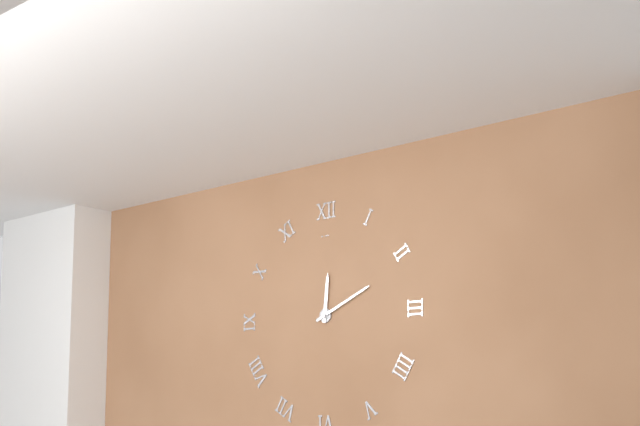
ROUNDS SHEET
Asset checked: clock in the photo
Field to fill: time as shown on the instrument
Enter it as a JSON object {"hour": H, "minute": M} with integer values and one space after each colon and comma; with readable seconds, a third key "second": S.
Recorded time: {"hour": 12, "minute": 11}
